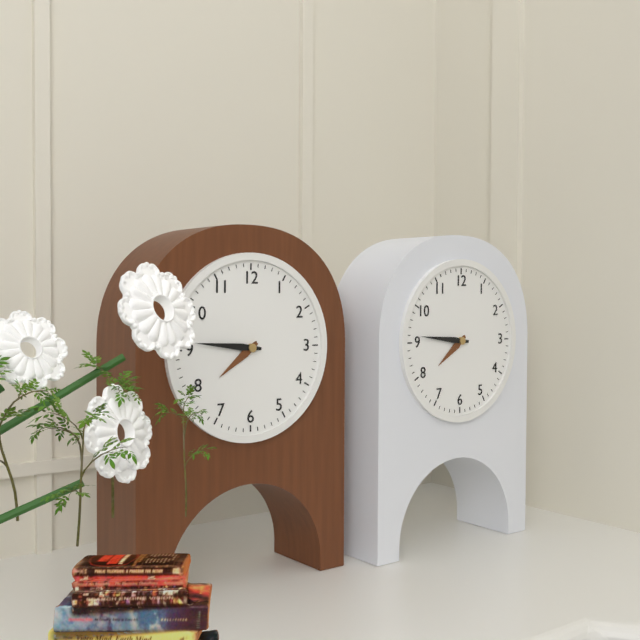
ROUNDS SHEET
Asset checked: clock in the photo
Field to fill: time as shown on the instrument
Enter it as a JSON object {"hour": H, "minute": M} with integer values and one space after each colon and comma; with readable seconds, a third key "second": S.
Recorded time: {"hour": 7, "minute": 46}
